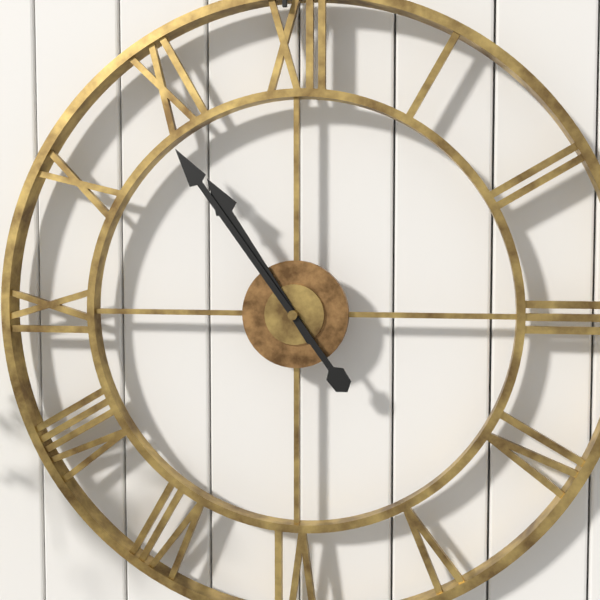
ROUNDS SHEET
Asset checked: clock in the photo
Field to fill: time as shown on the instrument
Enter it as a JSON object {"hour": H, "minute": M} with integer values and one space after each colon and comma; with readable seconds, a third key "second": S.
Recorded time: {"hour": 10, "minute": 54}
